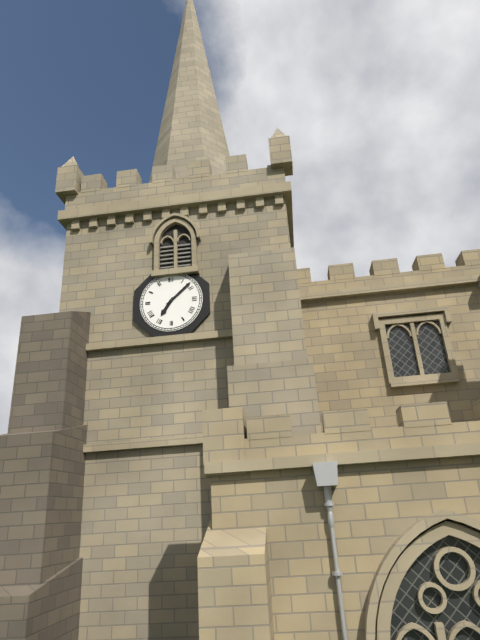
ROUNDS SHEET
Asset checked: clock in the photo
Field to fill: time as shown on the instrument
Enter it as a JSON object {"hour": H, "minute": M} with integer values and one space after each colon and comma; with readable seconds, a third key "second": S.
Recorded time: {"hour": 7, "minute": 8}
